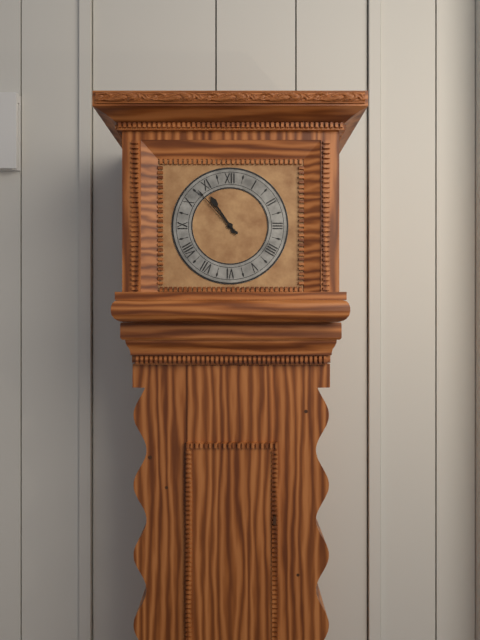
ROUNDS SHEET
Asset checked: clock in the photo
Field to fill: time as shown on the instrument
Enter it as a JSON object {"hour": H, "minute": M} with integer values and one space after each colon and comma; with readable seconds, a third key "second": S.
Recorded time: {"hour": 10, "minute": 53}
